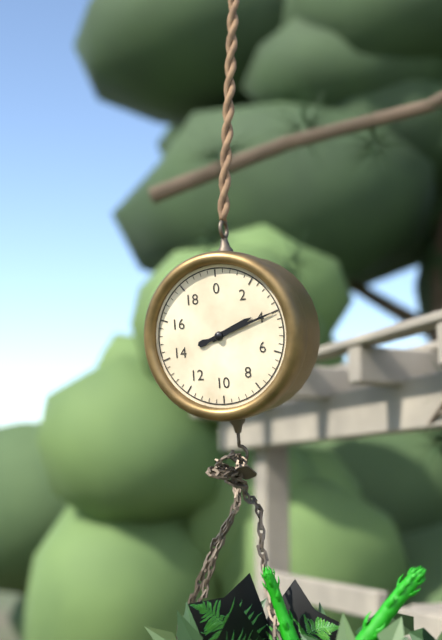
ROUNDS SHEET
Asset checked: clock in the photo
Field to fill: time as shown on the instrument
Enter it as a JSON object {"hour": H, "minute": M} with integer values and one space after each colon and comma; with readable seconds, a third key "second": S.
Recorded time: {"hour": 2, "minute": 12}
